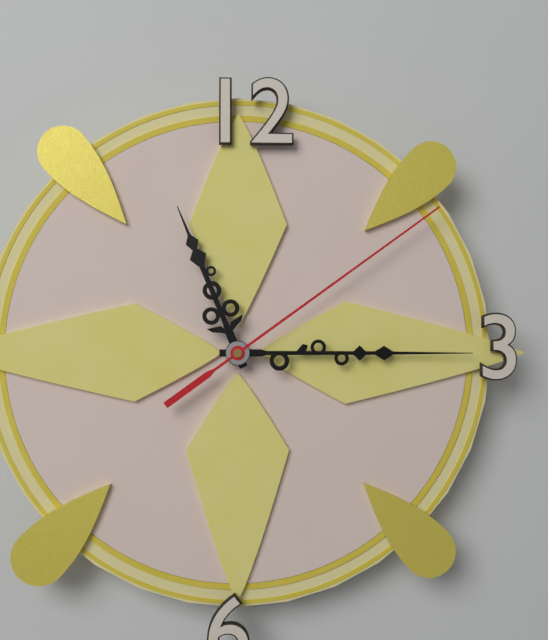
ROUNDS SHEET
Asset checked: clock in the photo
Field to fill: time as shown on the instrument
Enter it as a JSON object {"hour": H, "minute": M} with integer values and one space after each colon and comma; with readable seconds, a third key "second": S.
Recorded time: {"hour": 11, "minute": 15, "second": 9}
